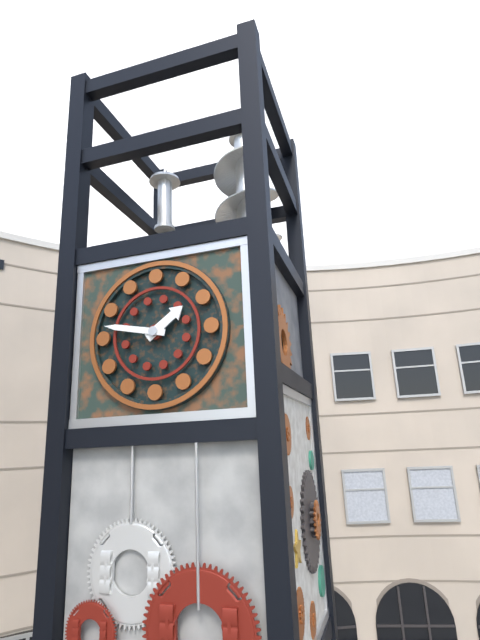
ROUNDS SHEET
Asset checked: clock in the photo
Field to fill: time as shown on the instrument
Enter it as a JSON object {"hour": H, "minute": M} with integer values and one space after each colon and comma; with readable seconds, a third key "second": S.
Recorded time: {"hour": 1, "minute": 47}
